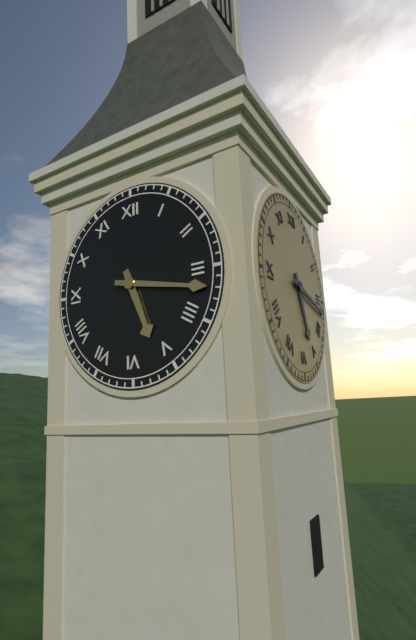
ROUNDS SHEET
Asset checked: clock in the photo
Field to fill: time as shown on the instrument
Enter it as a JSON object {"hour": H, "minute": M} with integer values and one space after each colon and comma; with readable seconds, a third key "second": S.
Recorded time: {"hour": 5, "minute": 17}
